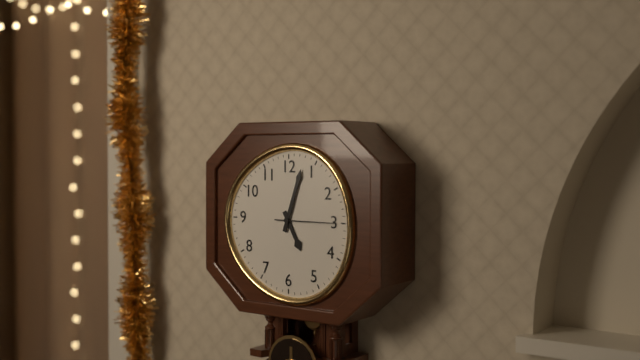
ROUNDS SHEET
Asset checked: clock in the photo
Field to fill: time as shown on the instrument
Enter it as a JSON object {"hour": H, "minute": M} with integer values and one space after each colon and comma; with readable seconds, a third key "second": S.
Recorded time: {"hour": 5, "minute": 3, "second": 15}
